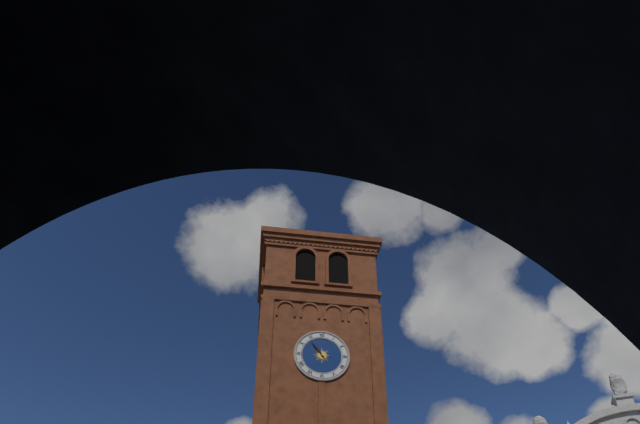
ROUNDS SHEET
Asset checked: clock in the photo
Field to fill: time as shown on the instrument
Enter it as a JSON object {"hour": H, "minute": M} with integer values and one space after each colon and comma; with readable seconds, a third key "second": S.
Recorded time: {"hour": 10, "minute": 54}
